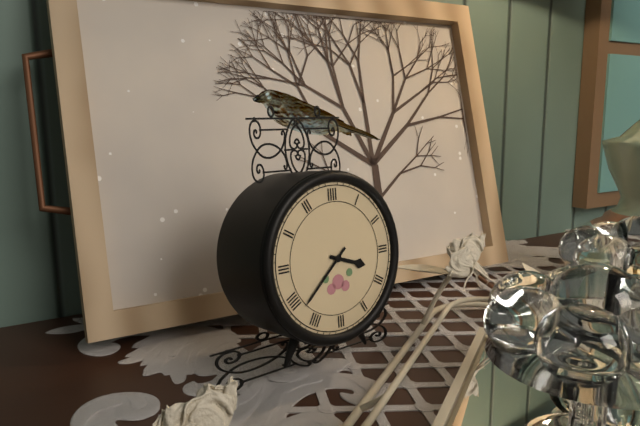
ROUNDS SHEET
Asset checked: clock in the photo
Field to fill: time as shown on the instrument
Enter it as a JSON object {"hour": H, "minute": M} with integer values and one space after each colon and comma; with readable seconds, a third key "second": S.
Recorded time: {"hour": 3, "minute": 38}
